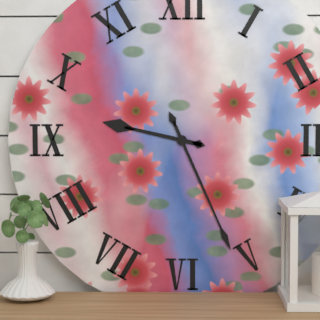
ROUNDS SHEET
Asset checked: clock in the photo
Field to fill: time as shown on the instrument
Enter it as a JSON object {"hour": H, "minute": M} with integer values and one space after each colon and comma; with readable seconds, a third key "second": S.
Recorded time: {"hour": 9, "minute": 26}
